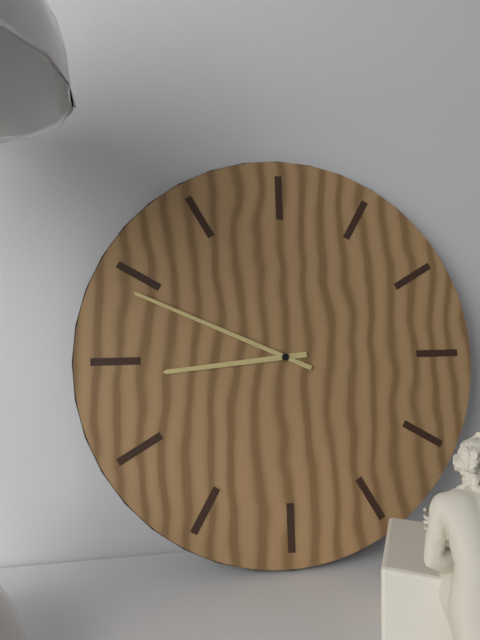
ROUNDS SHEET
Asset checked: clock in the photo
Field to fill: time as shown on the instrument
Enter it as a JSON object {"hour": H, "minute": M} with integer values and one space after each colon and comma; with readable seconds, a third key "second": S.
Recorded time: {"hour": 8, "minute": 49}
